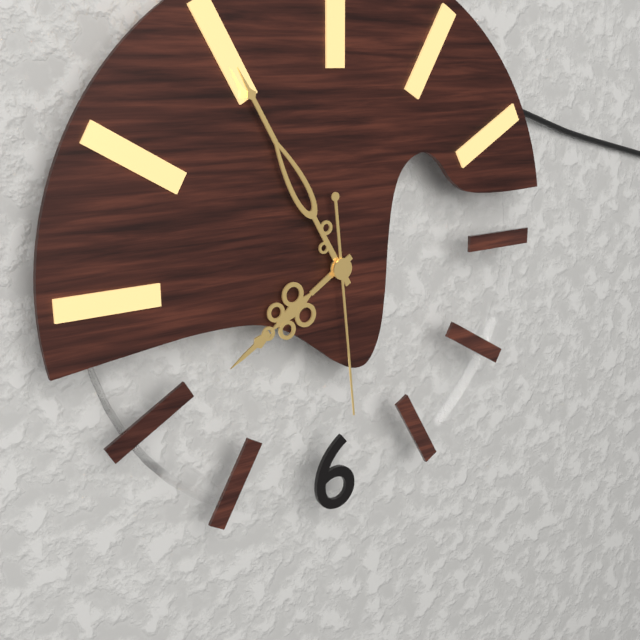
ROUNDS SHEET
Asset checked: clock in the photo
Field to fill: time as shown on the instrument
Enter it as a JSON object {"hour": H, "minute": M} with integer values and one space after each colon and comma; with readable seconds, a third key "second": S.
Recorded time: {"hour": 7, "minute": 55, "second": 29}
